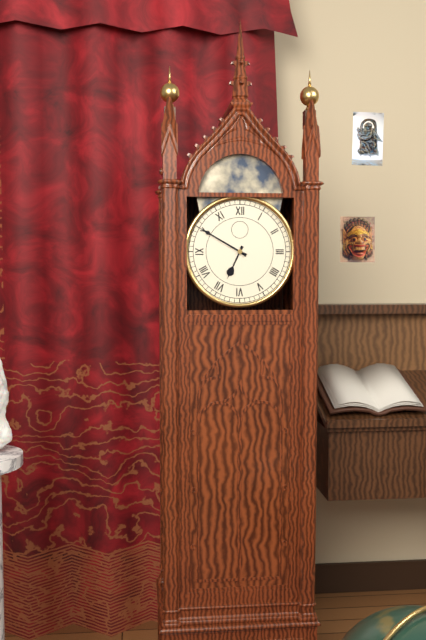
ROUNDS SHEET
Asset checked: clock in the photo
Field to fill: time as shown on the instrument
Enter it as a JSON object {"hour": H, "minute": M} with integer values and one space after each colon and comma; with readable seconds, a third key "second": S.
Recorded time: {"hour": 6, "minute": 50}
